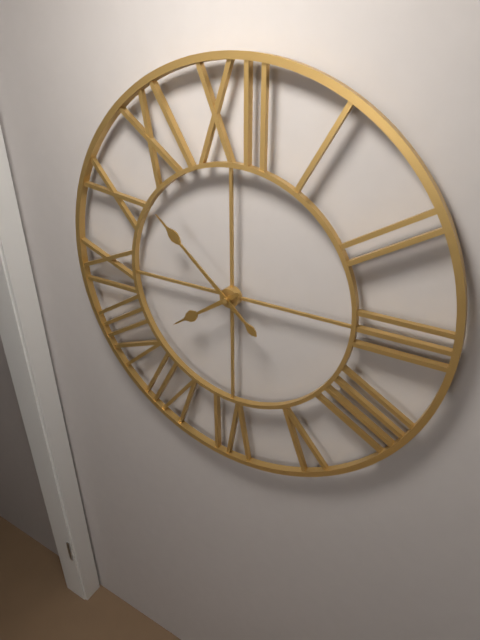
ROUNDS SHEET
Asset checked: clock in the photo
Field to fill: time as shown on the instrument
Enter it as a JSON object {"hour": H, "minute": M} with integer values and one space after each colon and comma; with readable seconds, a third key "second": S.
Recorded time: {"hour": 7, "minute": 52}
